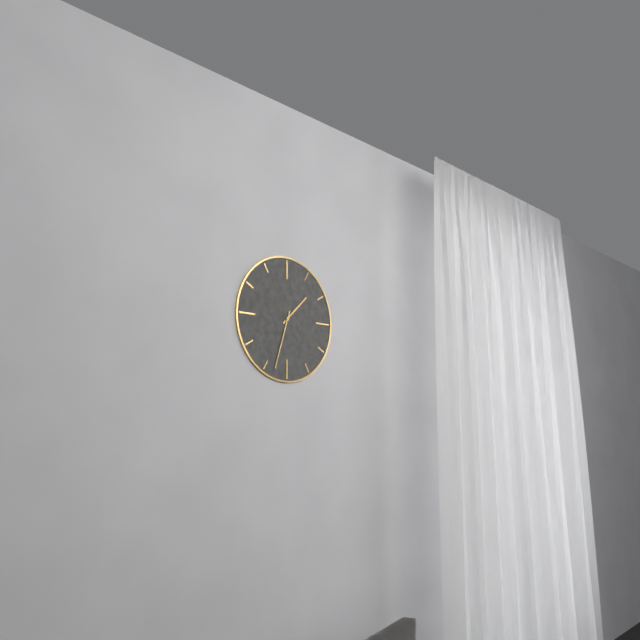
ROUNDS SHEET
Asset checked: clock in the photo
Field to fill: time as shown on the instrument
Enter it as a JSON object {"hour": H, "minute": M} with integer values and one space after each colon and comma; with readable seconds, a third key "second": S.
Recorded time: {"hour": 1, "minute": 33}
